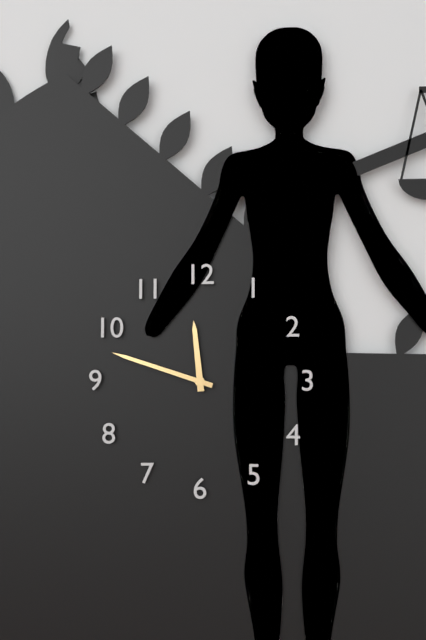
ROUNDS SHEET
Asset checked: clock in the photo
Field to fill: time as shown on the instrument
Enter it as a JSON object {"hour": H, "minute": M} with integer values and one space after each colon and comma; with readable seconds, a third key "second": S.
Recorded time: {"hour": 11, "minute": 48}
